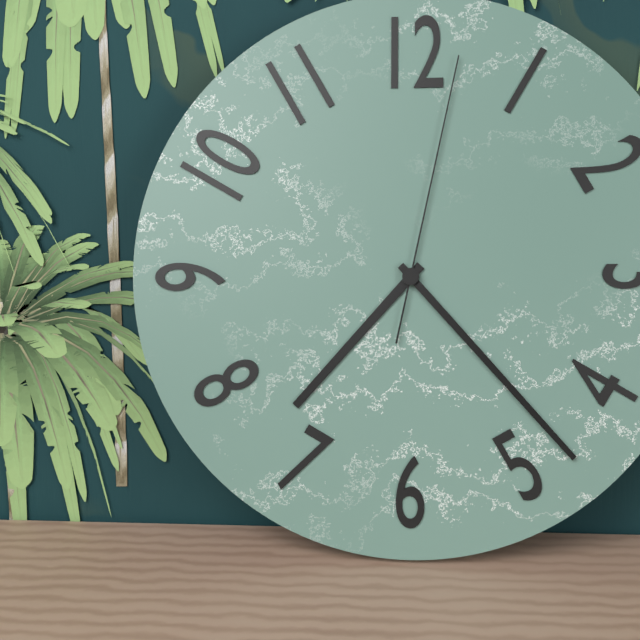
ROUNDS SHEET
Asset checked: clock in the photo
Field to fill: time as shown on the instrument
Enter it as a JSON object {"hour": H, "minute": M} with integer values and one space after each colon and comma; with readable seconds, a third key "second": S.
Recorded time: {"hour": 7, "minute": 23, "second": 2}
